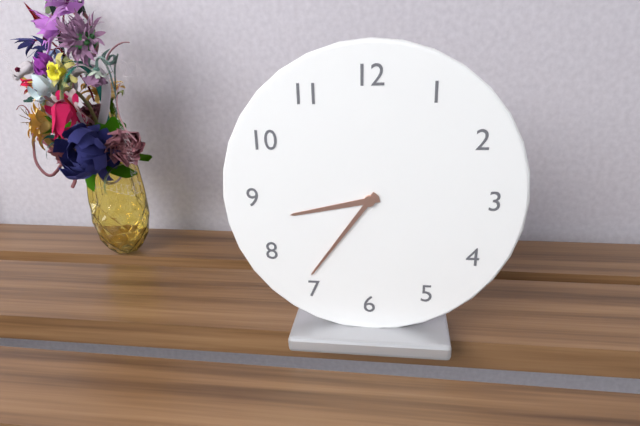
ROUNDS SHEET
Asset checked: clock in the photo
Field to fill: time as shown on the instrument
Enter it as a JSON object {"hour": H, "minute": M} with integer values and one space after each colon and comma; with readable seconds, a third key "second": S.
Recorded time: {"hour": 8, "minute": 36}
